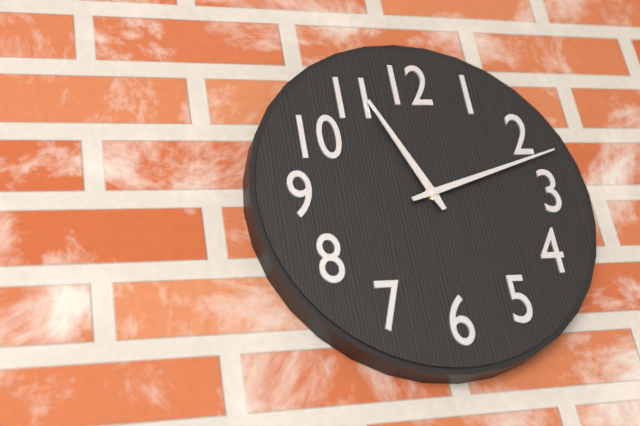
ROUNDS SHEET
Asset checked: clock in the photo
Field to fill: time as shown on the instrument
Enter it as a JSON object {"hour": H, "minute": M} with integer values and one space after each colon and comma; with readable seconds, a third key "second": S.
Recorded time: {"hour": 11, "minute": 12}
